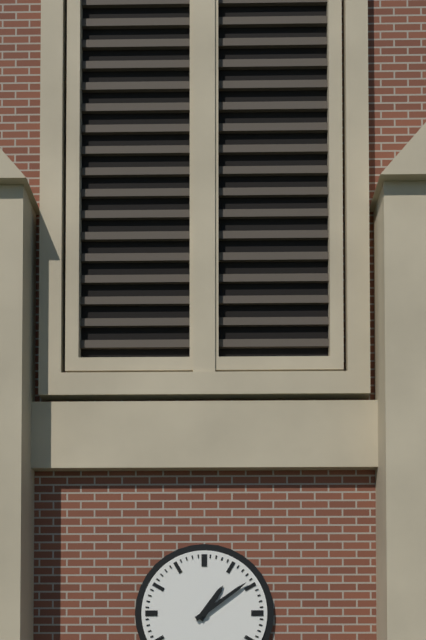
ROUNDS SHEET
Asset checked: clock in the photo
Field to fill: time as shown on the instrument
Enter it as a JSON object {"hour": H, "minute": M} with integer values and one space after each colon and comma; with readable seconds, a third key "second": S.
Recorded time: {"hour": 1, "minute": 9}
